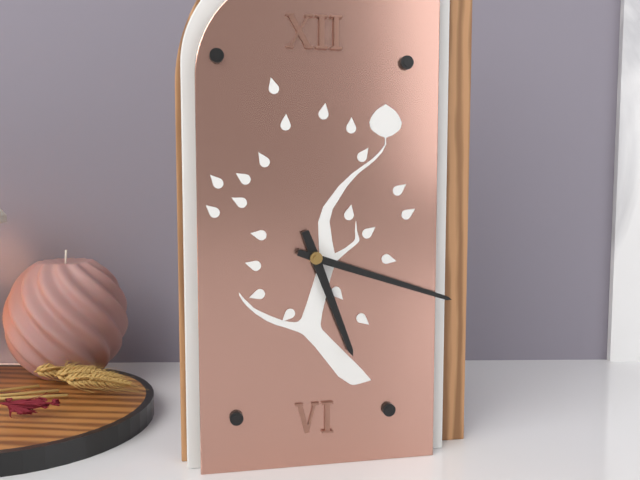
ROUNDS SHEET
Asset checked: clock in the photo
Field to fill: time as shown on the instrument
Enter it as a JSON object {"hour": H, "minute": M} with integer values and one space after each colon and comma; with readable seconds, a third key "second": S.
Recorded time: {"hour": 5, "minute": 18}
